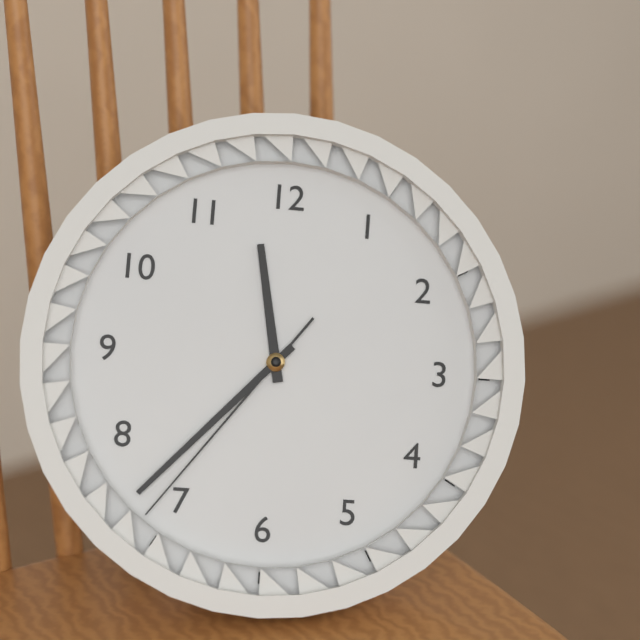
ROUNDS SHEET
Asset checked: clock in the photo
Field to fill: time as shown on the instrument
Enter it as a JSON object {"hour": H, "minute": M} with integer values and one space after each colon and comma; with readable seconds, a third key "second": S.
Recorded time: {"hour": 11, "minute": 37, "second": 36}
